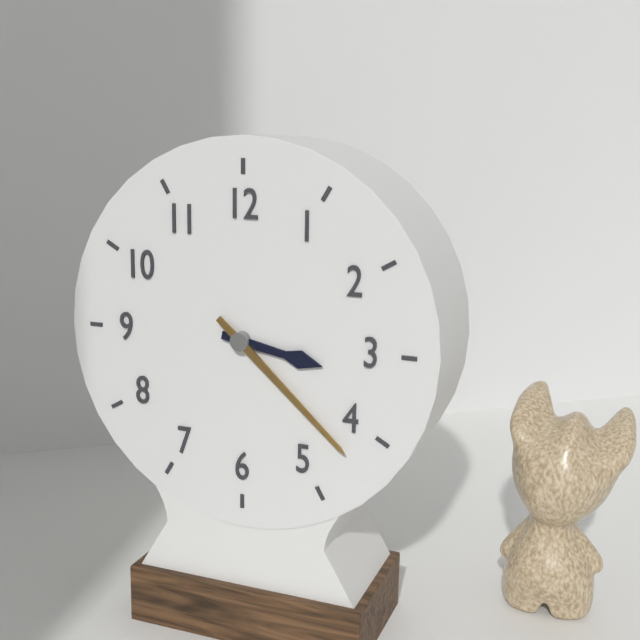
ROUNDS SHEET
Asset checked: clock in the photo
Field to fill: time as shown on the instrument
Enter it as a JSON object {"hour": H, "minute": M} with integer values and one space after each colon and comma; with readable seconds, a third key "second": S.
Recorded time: {"hour": 3, "minute": 22}
